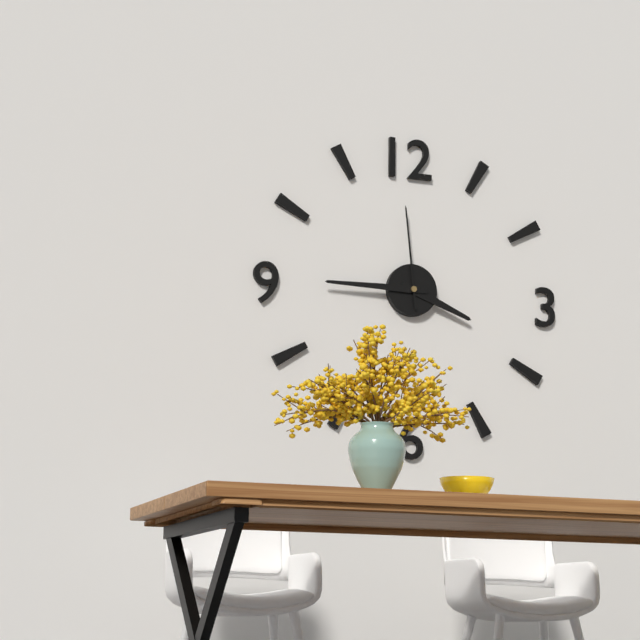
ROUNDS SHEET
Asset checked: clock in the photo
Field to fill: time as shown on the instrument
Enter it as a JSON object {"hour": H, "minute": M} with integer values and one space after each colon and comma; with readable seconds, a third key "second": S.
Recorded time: {"hour": 3, "minute": 45, "second": 59}
